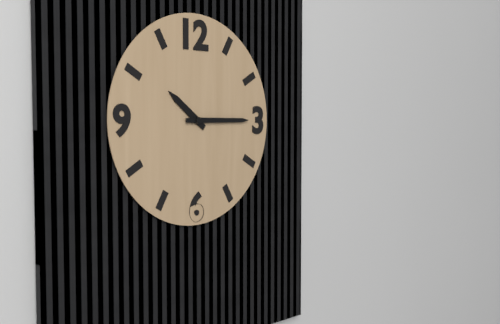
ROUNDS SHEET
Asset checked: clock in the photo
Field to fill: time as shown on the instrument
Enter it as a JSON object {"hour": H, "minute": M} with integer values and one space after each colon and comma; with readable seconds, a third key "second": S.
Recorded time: {"hour": 10, "minute": 15}
